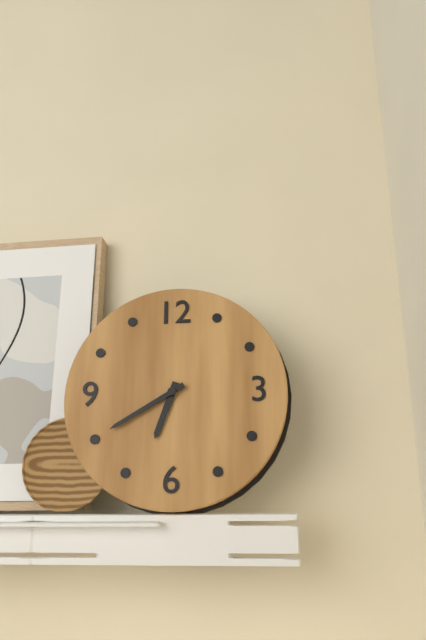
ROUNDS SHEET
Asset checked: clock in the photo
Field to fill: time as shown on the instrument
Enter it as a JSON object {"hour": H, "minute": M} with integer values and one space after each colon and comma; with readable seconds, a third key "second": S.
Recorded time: {"hour": 6, "minute": 40}
